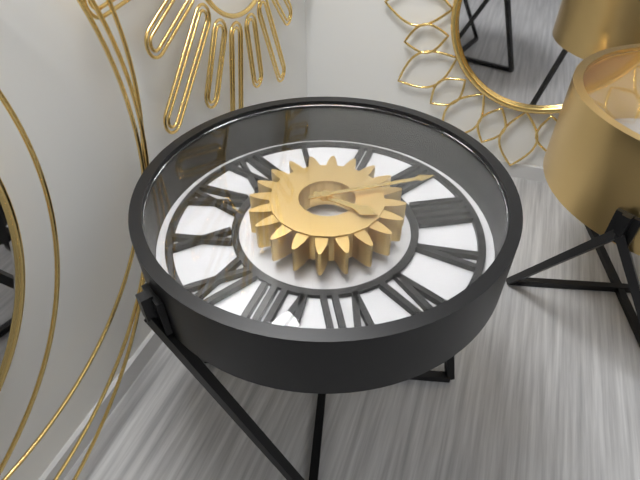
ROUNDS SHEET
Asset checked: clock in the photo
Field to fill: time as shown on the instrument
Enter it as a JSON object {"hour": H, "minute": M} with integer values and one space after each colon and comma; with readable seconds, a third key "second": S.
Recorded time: {"hour": 5, "minute": 19}
